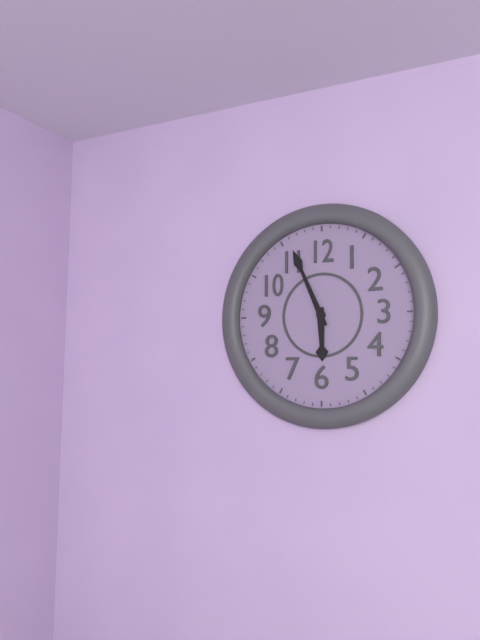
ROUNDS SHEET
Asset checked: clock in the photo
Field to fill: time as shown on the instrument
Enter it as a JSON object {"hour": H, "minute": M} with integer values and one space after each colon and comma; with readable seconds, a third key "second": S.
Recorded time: {"hour": 5, "minute": 56}
